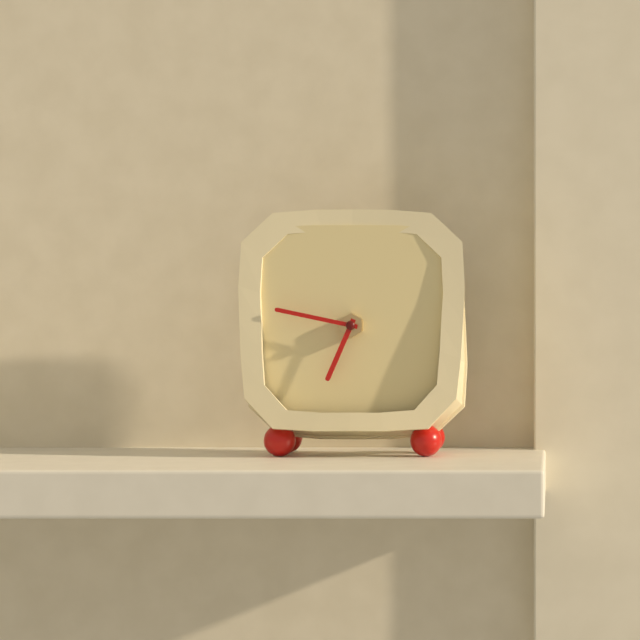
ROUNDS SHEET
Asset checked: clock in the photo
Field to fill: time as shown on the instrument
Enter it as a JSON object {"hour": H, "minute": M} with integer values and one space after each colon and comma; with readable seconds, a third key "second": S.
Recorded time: {"hour": 6, "minute": 47}
